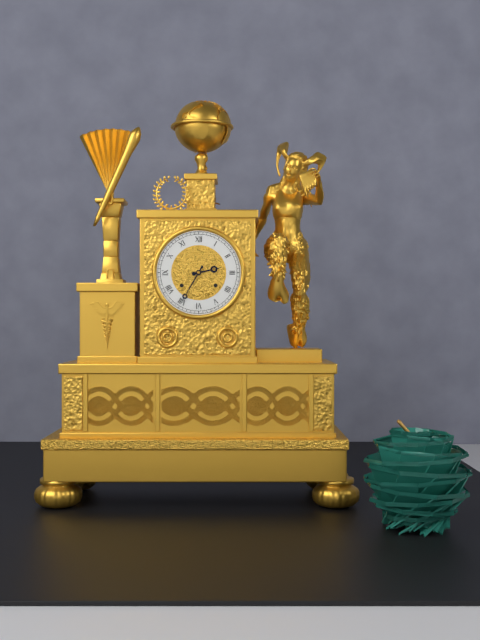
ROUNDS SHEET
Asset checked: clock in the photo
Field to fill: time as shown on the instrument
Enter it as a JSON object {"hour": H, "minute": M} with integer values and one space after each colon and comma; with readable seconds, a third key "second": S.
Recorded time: {"hour": 2, "minute": 35}
